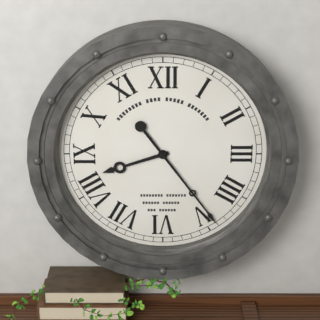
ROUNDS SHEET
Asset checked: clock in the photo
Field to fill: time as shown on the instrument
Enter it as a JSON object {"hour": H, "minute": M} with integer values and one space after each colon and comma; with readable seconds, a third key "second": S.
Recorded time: {"hour": 8, "minute": 24}
